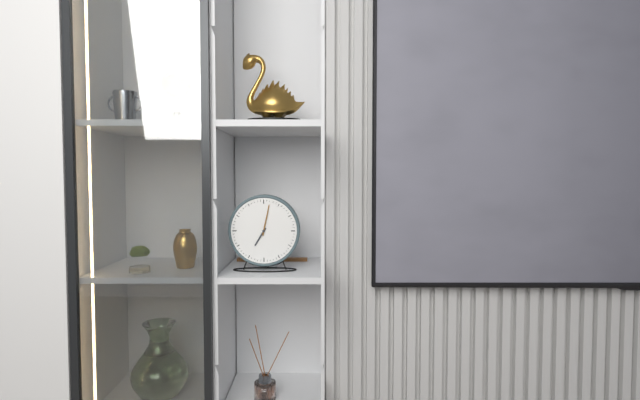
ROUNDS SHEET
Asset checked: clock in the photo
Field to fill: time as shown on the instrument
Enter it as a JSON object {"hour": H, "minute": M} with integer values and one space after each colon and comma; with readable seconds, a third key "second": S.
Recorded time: {"hour": 7, "minute": 2}
